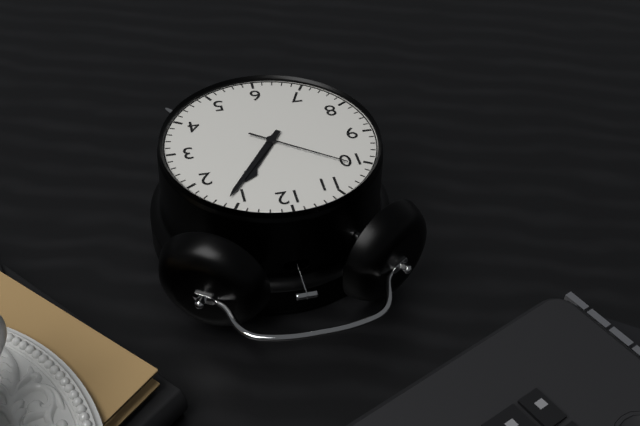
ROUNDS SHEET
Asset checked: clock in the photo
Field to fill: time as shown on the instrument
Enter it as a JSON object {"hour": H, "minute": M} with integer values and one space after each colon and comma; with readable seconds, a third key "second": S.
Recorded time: {"hour": 1, "minute": 6, "second": 51}
